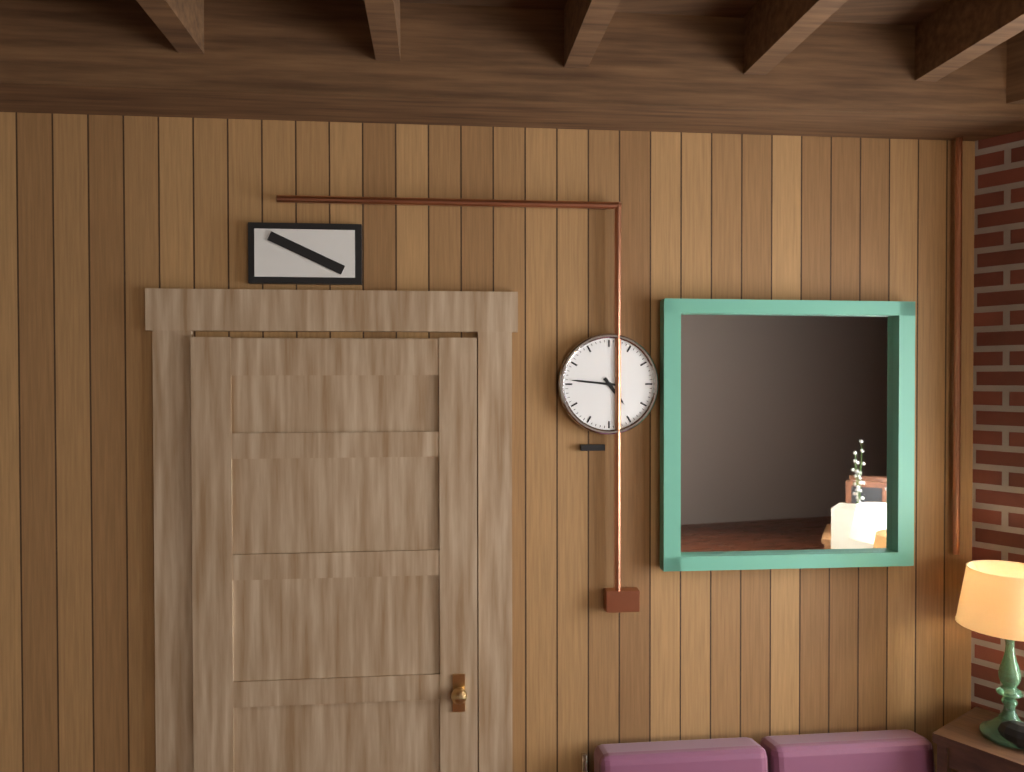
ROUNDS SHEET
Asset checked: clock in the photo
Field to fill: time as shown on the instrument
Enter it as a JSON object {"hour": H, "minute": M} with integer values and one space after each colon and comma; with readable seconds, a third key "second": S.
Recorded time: {"hour": 4, "minute": 46}
